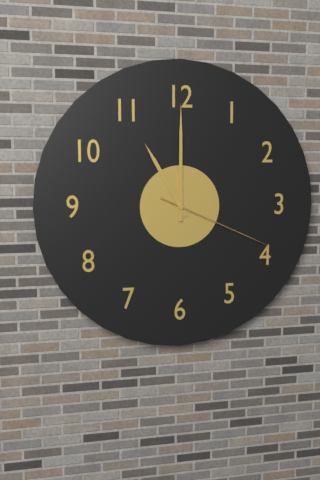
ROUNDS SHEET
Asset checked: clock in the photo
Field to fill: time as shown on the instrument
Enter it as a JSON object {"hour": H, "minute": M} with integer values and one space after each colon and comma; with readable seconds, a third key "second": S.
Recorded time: {"hour": 11, "minute": 0, "second": 19}
